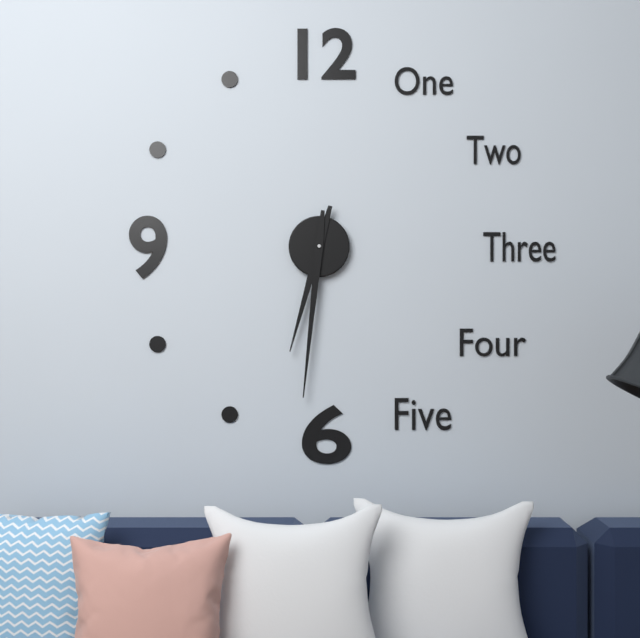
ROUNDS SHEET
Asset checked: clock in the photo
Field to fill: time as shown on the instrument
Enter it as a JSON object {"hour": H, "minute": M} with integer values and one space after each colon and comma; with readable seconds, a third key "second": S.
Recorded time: {"hour": 6, "minute": 31}
